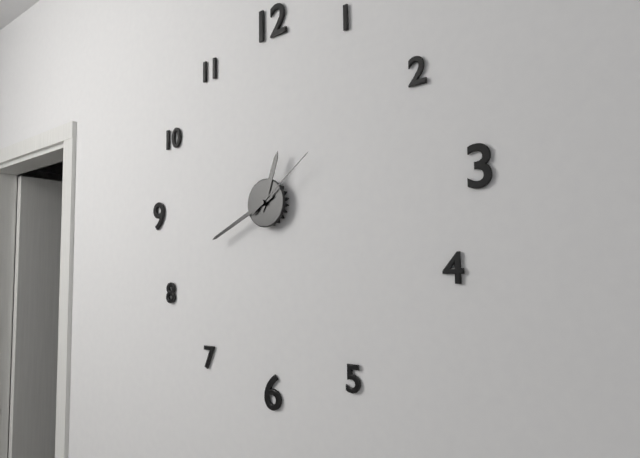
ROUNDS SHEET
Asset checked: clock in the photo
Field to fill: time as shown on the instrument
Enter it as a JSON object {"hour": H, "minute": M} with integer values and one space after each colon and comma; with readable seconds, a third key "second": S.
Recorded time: {"hour": 12, "minute": 41, "second": 9}
